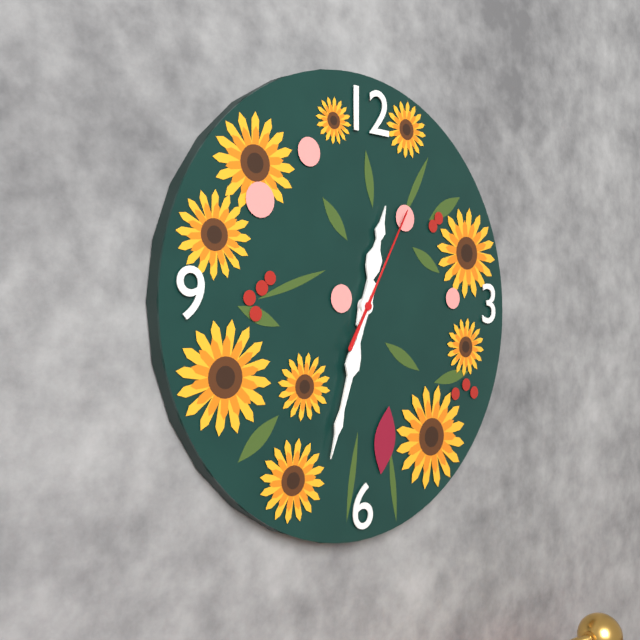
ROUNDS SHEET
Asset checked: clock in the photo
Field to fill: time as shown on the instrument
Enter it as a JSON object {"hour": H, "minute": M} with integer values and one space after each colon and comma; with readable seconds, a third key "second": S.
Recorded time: {"hour": 12, "minute": 33, "second": 5}
